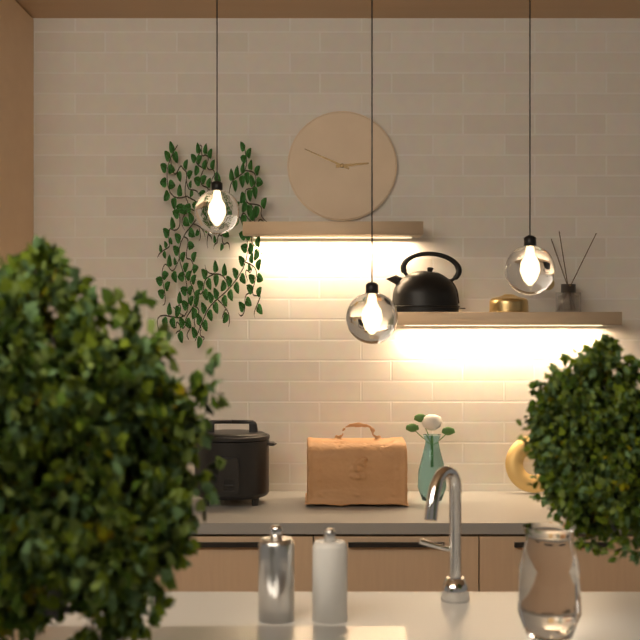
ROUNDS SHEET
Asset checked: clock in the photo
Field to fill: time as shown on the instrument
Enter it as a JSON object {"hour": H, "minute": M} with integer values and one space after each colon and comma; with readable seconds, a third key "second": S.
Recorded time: {"hour": 2, "minute": 49}
